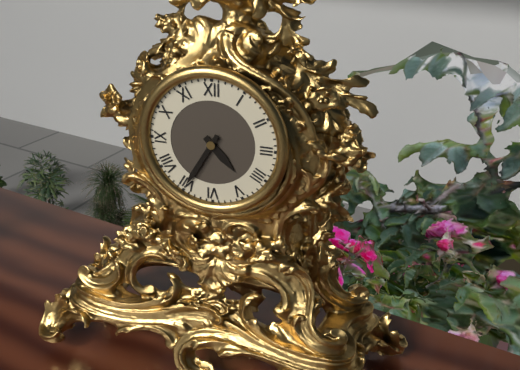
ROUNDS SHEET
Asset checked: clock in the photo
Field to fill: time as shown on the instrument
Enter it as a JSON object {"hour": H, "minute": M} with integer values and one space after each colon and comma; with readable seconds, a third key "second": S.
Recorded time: {"hour": 4, "minute": 35}
